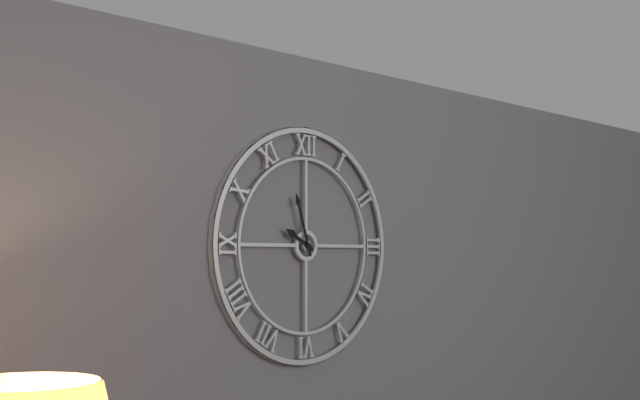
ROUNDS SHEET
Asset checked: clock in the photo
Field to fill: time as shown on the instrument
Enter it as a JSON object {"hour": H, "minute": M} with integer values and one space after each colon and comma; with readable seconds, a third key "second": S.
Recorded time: {"hour": 9, "minute": 57}
